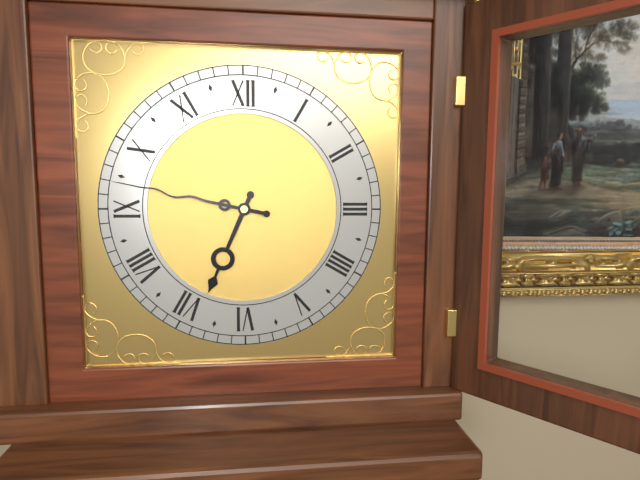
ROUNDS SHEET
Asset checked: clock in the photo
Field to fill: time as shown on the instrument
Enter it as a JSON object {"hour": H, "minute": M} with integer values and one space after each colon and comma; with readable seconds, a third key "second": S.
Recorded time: {"hour": 6, "minute": 47}
